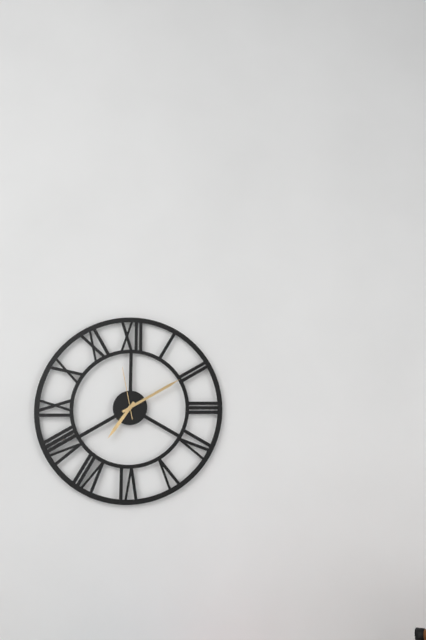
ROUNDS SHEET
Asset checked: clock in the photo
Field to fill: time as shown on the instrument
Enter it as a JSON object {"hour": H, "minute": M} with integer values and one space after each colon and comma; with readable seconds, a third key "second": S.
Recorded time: {"hour": 7, "minute": 10, "second": 58}
